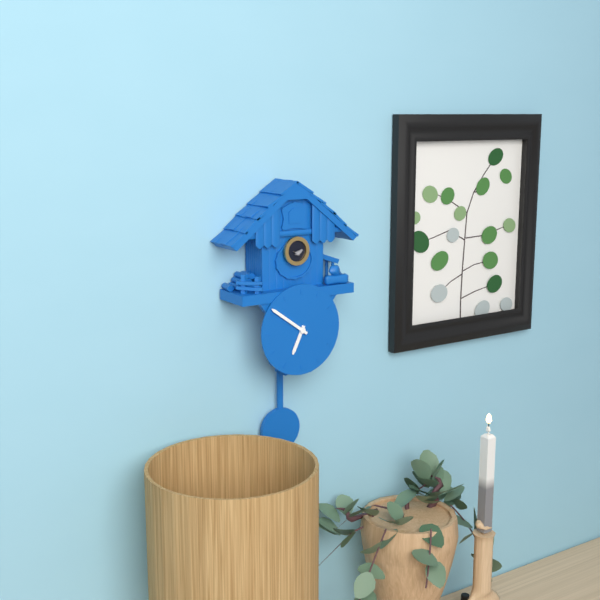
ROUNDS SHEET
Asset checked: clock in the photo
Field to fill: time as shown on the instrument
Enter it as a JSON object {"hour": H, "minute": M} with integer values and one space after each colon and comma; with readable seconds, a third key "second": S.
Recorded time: {"hour": 6, "minute": 51}
